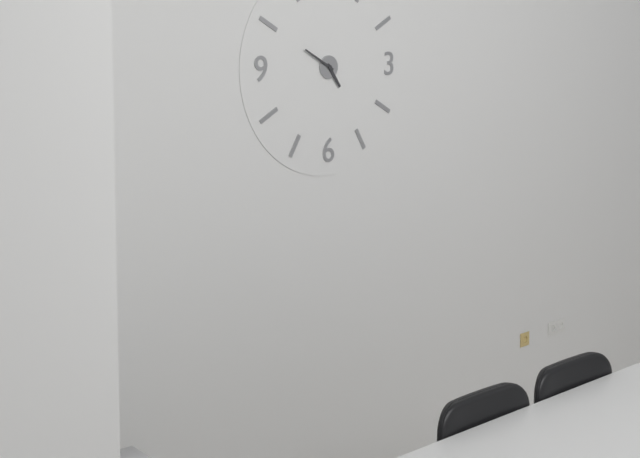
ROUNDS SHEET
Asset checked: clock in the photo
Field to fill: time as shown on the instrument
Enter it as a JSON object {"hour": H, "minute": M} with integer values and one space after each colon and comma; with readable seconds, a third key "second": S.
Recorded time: {"hour": 4, "minute": 50}
